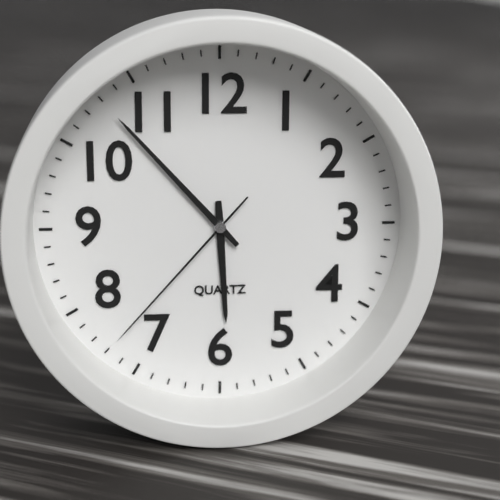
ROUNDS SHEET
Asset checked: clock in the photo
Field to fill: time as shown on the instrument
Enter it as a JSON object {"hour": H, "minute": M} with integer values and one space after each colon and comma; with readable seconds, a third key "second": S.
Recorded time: {"hour": 5, "minute": 53, "second": 37}
